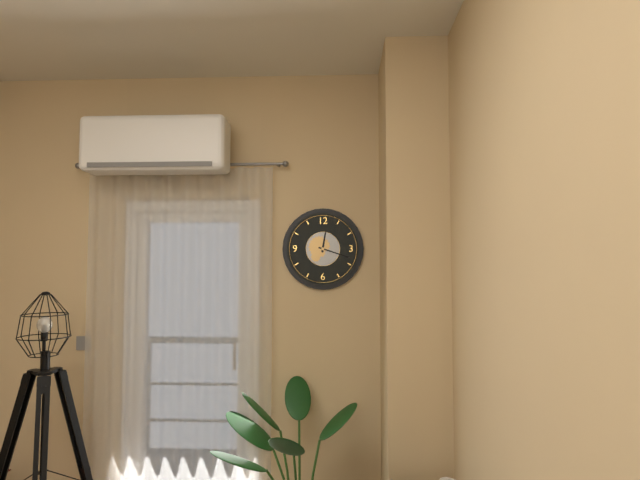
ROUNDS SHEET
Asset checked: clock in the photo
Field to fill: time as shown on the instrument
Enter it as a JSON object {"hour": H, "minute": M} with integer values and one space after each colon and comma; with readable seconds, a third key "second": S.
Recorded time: {"hour": 12, "minute": 18}
